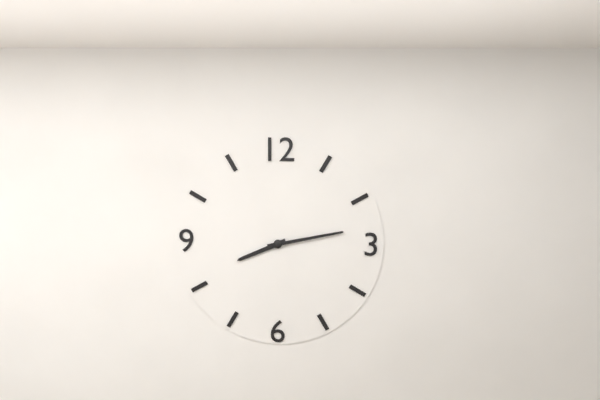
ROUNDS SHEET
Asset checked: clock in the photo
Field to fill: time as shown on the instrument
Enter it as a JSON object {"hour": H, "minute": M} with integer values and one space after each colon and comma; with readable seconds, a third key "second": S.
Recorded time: {"hour": 8, "minute": 13}
